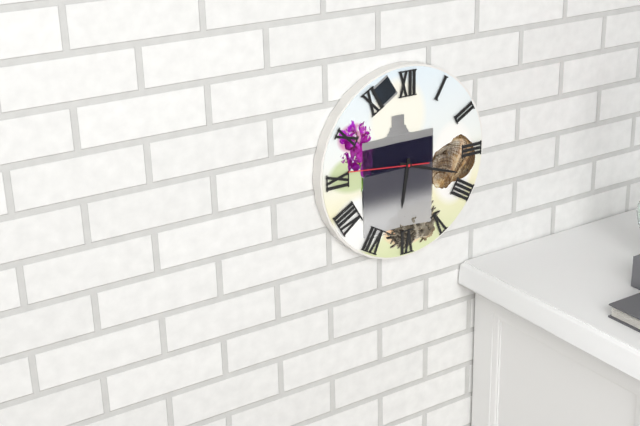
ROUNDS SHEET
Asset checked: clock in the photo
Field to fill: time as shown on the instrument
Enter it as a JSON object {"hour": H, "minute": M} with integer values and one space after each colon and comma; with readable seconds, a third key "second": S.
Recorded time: {"hour": 6, "minute": 18, "second": 46}
